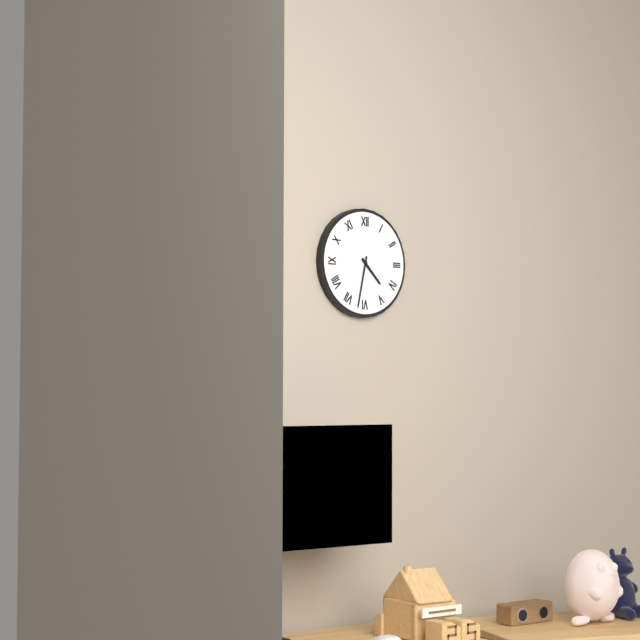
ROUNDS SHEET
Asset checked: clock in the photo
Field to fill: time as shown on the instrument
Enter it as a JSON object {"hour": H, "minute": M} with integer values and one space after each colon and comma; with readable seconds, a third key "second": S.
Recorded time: {"hour": 4, "minute": 32}
